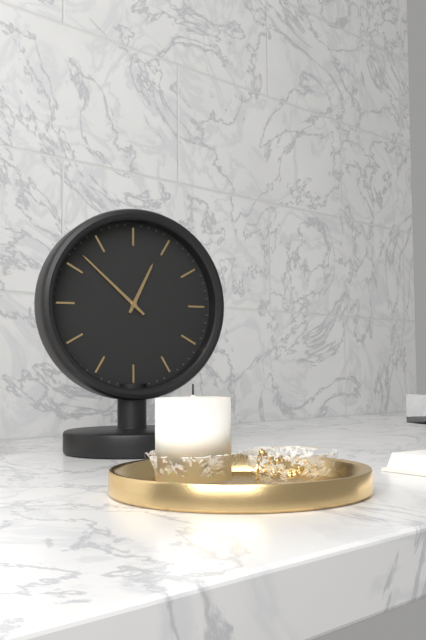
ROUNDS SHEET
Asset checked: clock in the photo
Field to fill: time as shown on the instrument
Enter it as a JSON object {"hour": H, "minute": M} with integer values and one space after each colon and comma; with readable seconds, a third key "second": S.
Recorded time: {"hour": 12, "minute": 52}
